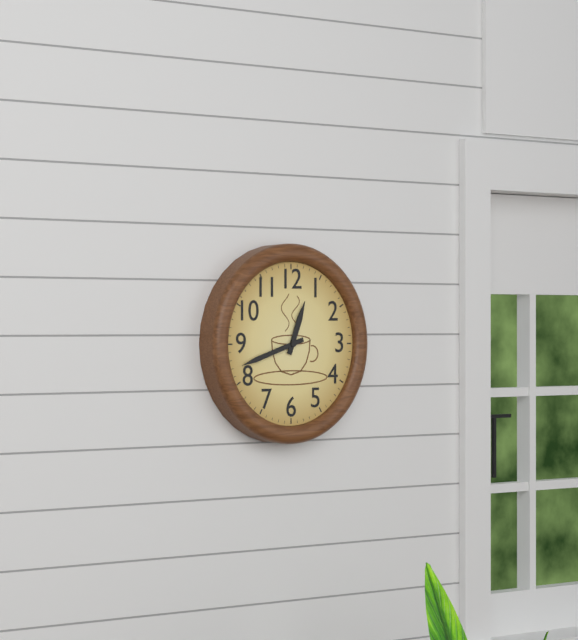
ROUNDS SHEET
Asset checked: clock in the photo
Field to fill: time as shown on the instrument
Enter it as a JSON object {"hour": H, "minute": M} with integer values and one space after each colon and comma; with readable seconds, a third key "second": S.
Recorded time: {"hour": 12, "minute": 42}
